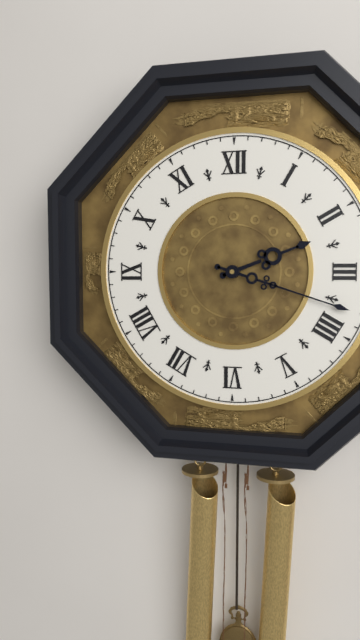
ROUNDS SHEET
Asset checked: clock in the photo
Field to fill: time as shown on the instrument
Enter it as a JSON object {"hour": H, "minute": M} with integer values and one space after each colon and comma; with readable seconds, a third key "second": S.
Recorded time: {"hour": 2, "minute": 18}
